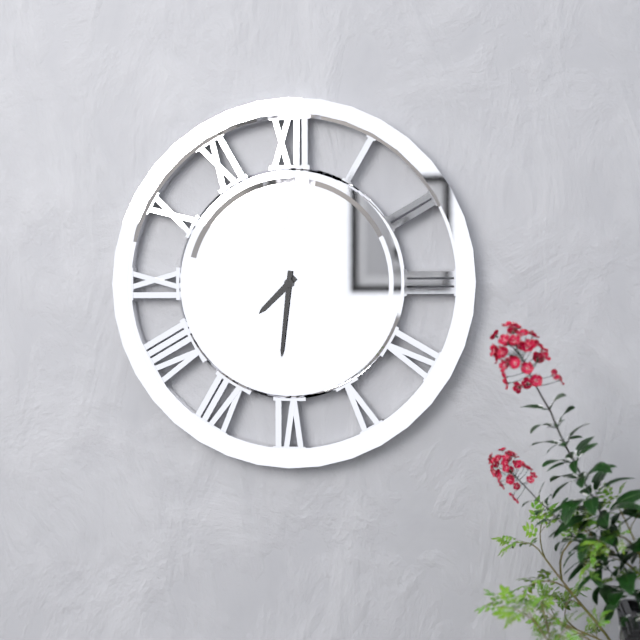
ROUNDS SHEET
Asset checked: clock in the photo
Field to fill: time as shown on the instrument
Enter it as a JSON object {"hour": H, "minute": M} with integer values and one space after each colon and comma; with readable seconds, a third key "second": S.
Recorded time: {"hour": 7, "minute": 31}
